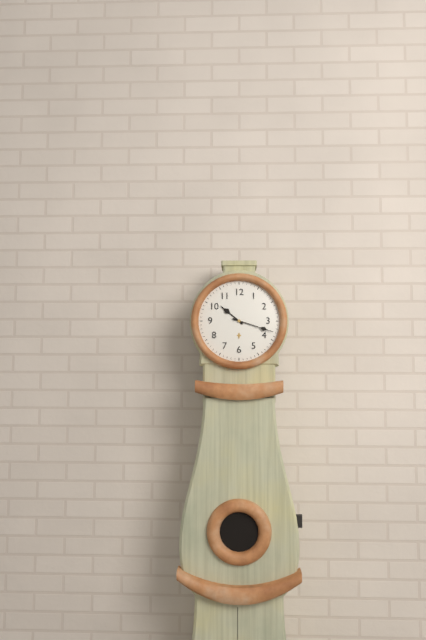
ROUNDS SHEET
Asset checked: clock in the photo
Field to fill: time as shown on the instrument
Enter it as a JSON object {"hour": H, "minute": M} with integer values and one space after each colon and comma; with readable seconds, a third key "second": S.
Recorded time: {"hour": 10, "minute": 18}
